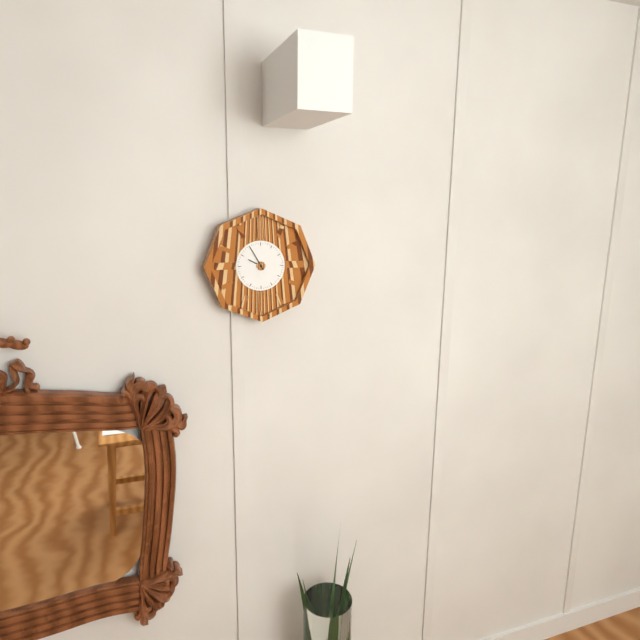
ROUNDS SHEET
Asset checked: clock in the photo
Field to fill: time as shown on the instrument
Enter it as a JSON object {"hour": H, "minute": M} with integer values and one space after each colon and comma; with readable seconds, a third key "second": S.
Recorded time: {"hour": 9, "minute": 55}
